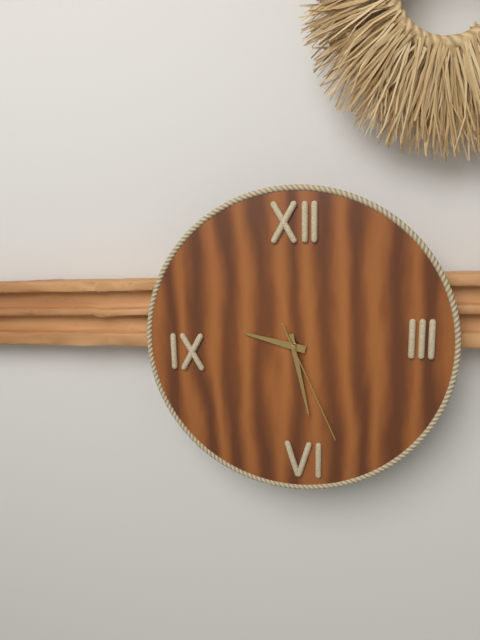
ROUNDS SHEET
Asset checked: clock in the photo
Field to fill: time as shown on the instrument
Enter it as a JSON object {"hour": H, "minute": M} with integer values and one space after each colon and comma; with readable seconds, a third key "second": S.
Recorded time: {"hour": 9, "minute": 28, "second": 26}
